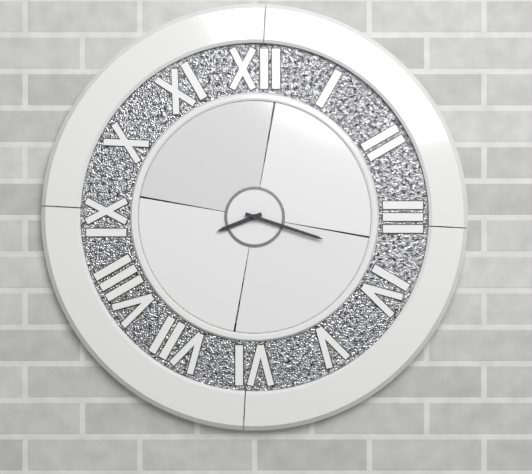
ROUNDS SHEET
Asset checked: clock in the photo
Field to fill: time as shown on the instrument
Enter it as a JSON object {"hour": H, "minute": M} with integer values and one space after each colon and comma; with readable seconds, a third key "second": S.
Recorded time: {"hour": 8, "minute": 18}
